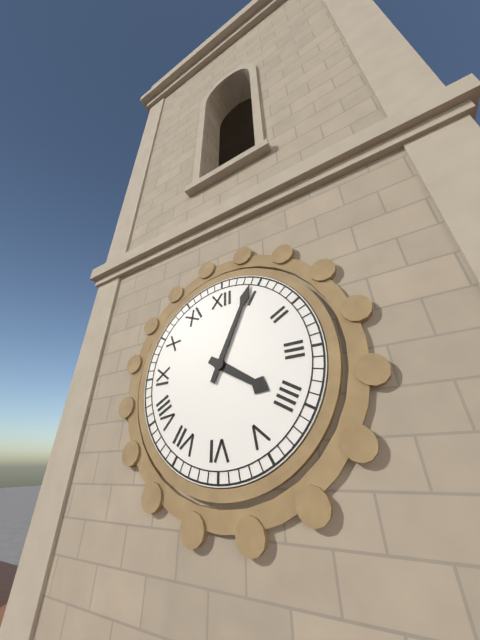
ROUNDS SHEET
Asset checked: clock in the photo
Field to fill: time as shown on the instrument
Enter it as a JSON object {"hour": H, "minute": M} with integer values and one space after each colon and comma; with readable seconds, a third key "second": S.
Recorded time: {"hour": 4, "minute": 4}
